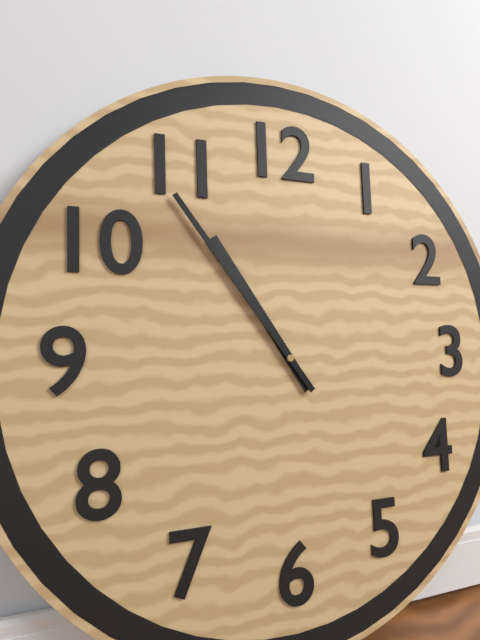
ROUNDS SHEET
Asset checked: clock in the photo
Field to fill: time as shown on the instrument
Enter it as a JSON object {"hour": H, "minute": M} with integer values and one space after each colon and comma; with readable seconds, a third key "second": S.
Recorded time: {"hour": 10, "minute": 54}
